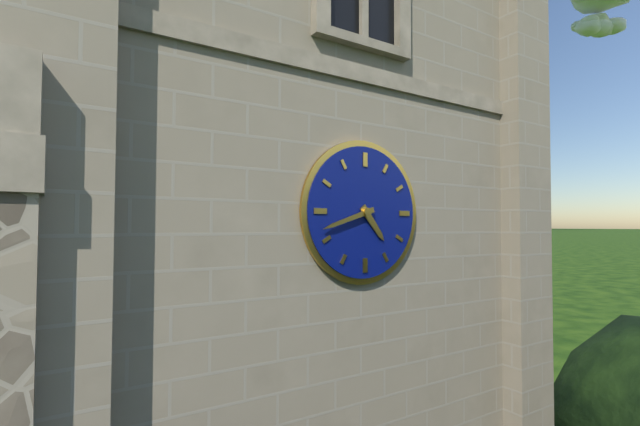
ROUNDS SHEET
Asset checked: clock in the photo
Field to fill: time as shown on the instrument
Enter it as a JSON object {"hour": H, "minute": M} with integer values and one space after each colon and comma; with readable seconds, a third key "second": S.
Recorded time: {"hour": 4, "minute": 42}
